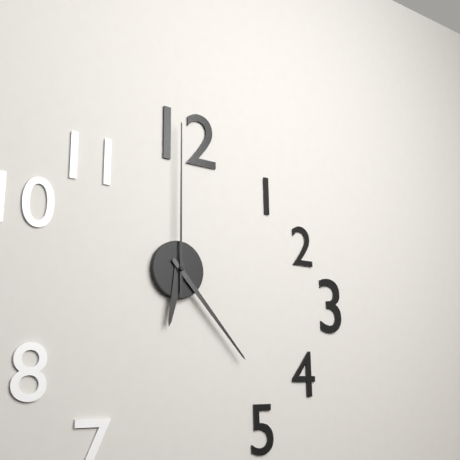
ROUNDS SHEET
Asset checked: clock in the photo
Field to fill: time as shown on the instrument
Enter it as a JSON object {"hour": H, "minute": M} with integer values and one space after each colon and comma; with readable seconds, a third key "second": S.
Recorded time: {"hour": 6, "minute": 23, "second": 0}
